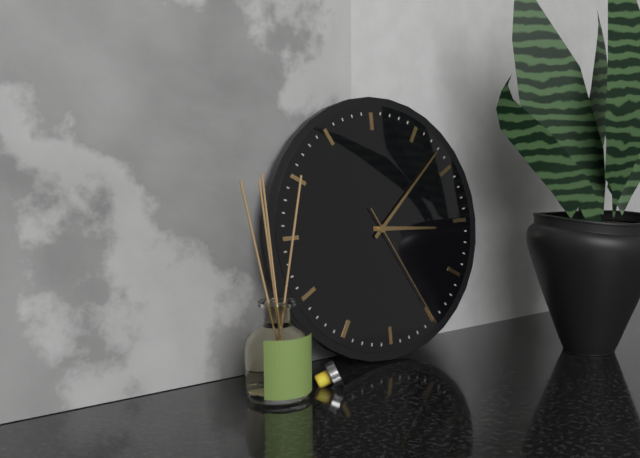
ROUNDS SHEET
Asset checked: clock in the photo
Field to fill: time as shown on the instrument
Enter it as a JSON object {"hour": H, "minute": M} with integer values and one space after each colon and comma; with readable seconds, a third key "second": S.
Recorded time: {"hour": 3, "minute": 8, "second": 25}
